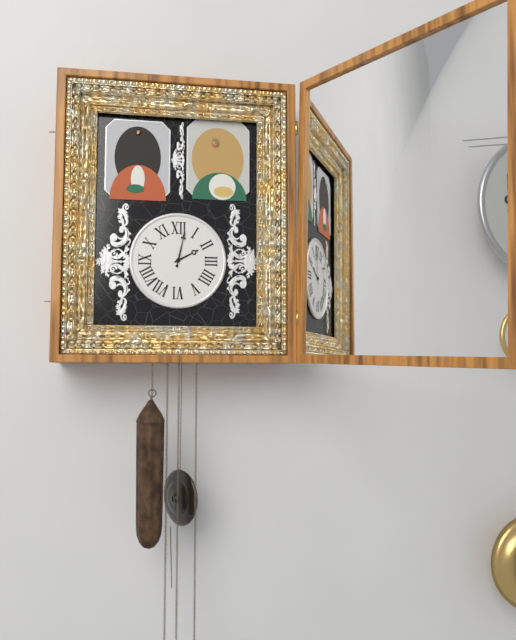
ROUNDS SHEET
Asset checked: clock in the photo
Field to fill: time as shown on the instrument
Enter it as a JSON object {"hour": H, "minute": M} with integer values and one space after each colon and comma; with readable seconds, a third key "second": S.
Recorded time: {"hour": 2, "minute": 2}
